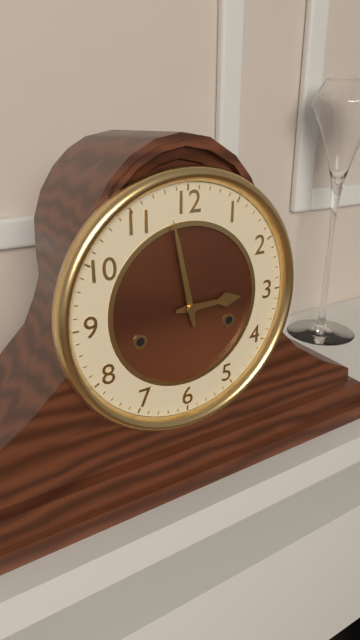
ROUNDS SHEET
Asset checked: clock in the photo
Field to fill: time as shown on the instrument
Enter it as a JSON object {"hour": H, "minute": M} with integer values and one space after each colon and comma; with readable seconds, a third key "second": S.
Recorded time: {"hour": 2, "minute": 58}
